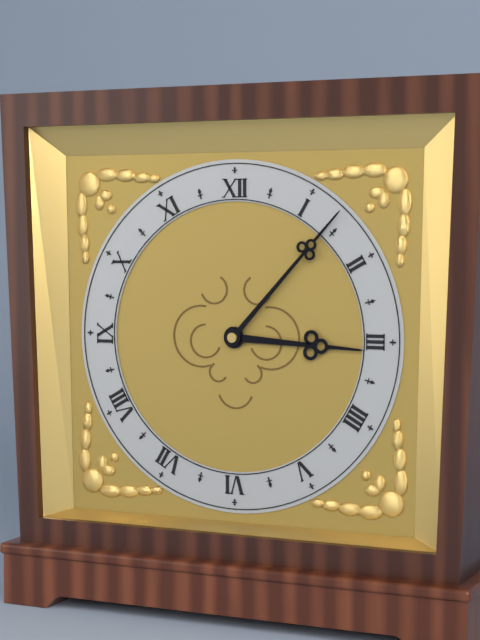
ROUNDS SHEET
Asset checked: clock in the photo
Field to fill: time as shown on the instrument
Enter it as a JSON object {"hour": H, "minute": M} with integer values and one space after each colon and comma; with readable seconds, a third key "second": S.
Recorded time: {"hour": 3, "minute": 7}
